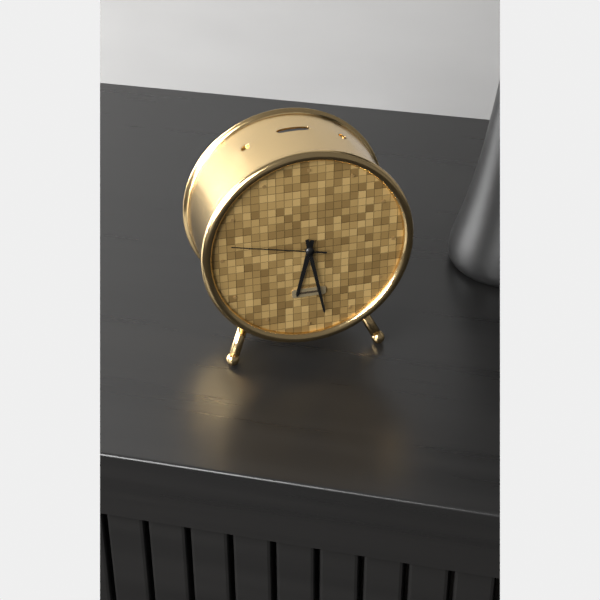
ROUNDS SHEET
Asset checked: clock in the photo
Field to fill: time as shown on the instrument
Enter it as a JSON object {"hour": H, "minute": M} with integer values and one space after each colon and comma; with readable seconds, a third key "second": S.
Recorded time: {"hour": 6, "minute": 28, "second": 47}
